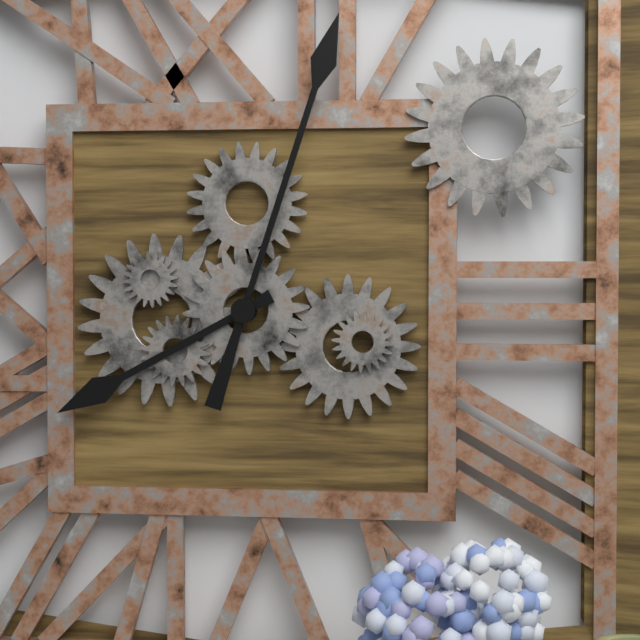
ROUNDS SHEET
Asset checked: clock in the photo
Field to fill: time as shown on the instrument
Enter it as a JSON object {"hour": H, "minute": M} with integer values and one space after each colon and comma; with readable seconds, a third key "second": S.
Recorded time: {"hour": 8, "minute": 3}
